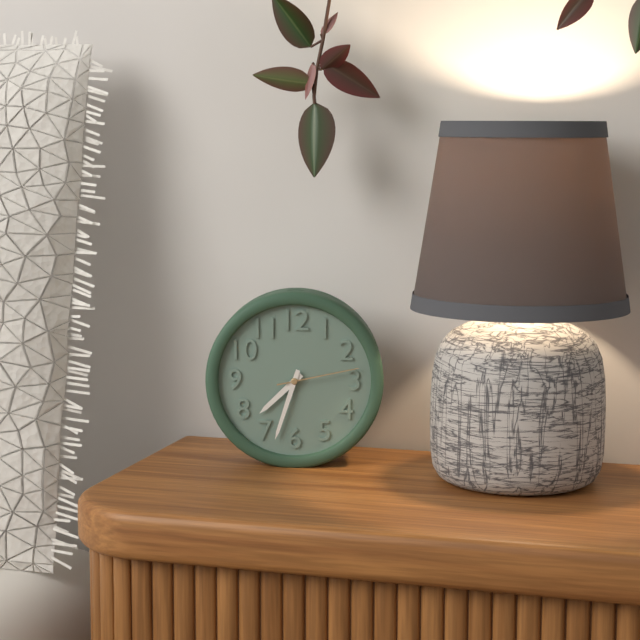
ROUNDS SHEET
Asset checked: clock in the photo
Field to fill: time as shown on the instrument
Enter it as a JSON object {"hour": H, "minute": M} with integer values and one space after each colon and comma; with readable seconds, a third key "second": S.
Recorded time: {"hour": 7, "minute": 33, "second": 13}
